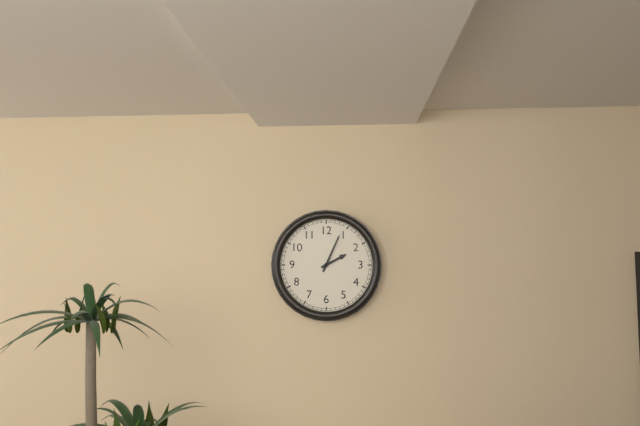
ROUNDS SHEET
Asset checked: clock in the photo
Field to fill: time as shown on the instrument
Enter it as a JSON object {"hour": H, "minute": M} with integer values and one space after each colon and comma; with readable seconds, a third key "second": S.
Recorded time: {"hour": 2, "minute": 4}
